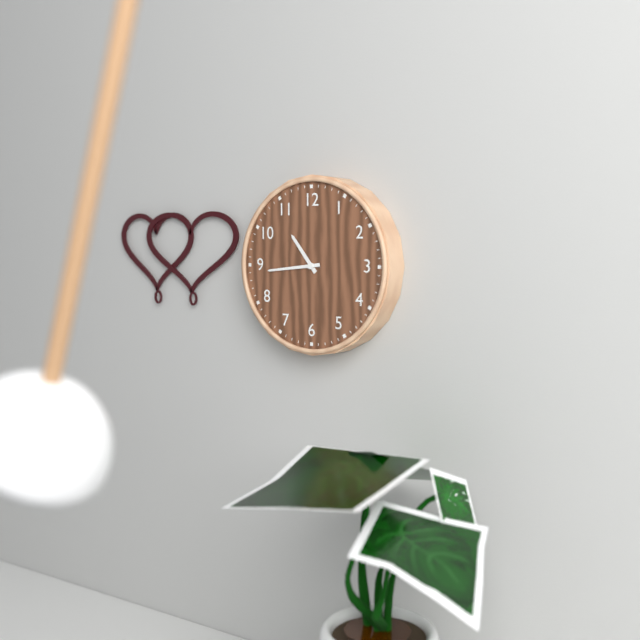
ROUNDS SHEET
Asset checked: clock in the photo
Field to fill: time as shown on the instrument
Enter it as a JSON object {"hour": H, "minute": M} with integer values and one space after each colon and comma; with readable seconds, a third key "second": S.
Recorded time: {"hour": 10, "minute": 44}
